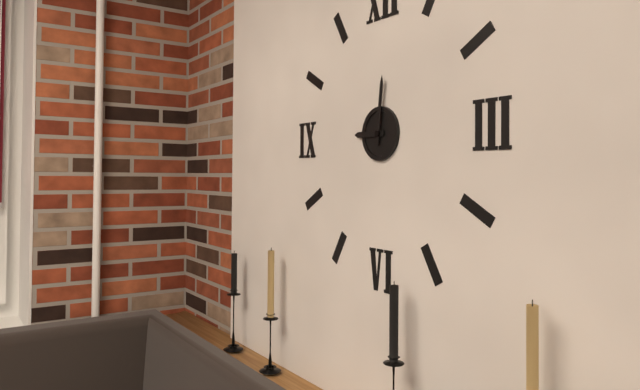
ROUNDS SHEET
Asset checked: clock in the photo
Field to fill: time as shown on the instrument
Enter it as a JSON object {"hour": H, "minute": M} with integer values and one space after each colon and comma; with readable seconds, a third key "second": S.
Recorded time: {"hour": 9, "minute": 1}
